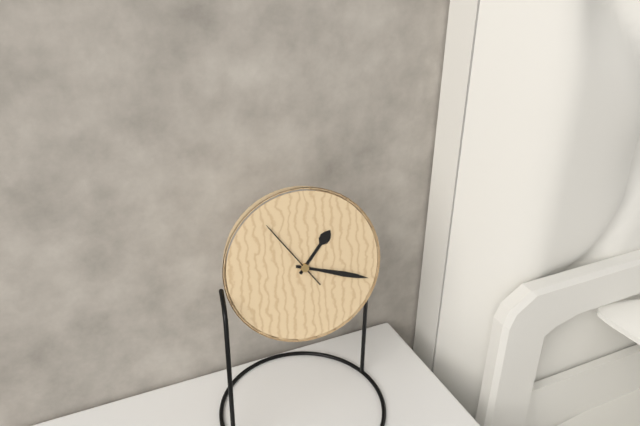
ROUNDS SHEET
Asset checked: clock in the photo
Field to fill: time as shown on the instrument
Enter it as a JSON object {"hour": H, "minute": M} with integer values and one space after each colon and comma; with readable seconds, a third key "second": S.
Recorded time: {"hour": 1, "minute": 18, "second": 54}
